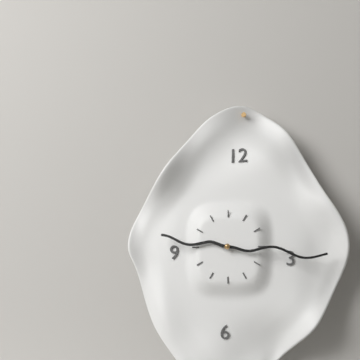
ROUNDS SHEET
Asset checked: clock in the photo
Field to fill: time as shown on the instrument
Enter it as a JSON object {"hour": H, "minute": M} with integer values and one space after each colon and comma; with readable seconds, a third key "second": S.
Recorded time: {"hour": 9, "minute": 16}
